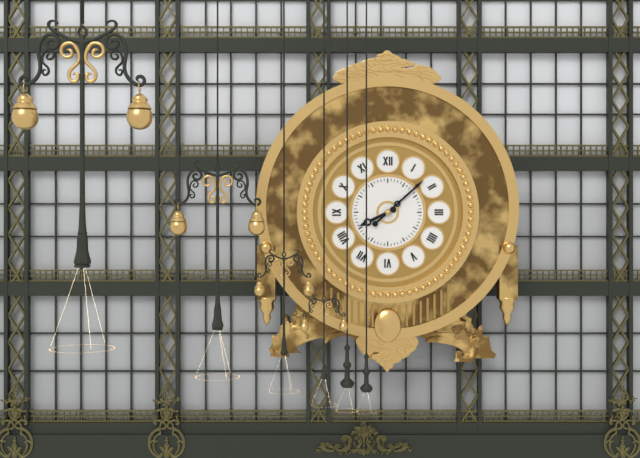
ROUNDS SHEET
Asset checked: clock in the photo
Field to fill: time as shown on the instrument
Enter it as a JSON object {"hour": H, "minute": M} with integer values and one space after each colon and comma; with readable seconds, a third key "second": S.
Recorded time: {"hour": 8, "minute": 8}
